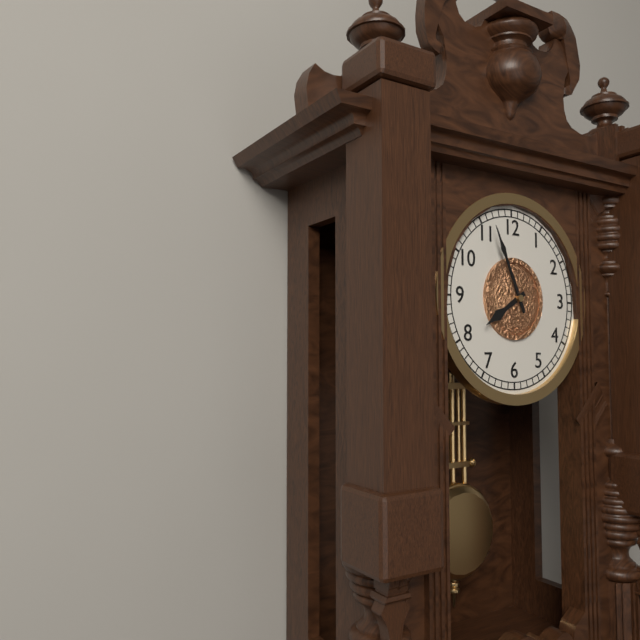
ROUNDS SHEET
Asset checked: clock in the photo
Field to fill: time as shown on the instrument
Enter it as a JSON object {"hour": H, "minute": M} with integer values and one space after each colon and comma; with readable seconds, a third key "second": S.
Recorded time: {"hour": 7, "minute": 56}
